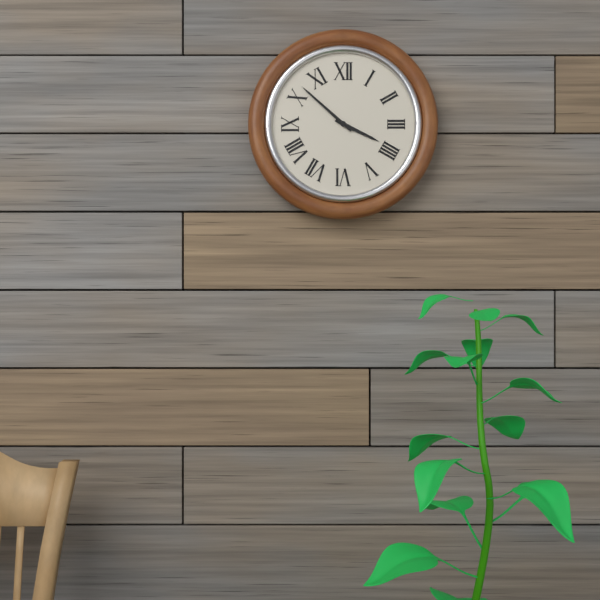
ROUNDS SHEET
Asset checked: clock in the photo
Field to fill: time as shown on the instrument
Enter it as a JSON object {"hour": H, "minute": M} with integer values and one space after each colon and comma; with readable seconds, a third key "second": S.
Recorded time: {"hour": 3, "minute": 52}
